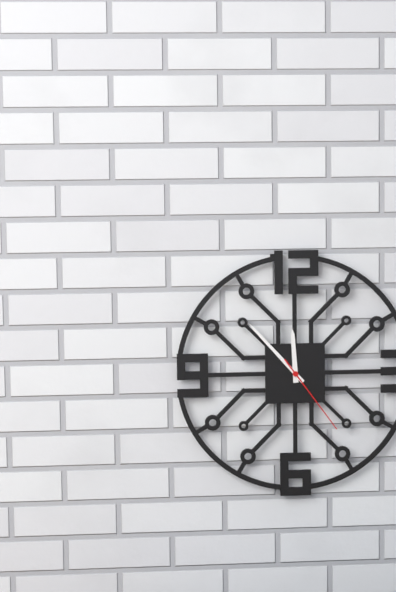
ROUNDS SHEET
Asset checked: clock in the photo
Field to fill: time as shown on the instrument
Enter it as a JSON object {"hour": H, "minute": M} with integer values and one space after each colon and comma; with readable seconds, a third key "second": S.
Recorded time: {"hour": 11, "minute": 53, "second": 24}
